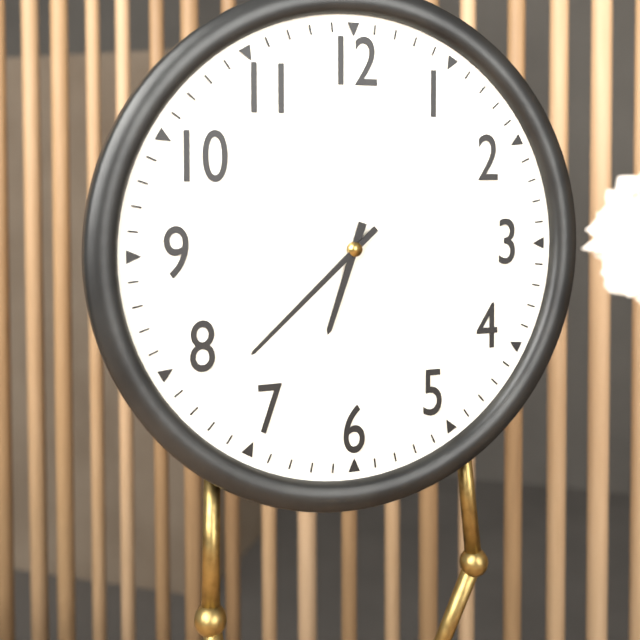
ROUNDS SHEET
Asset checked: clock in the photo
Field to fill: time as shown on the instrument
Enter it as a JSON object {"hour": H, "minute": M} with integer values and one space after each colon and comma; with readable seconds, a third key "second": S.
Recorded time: {"hour": 6, "minute": 38}
